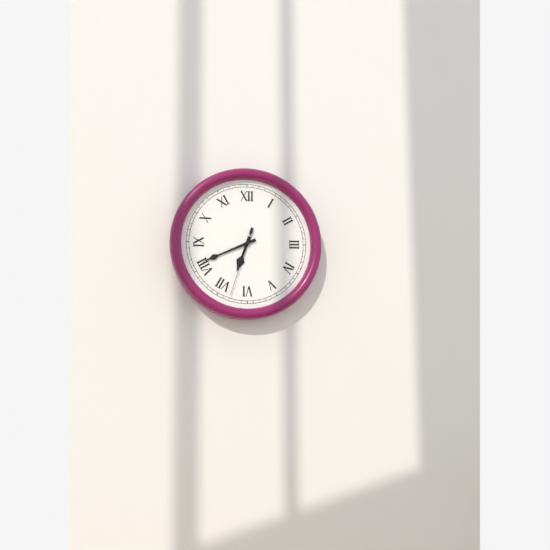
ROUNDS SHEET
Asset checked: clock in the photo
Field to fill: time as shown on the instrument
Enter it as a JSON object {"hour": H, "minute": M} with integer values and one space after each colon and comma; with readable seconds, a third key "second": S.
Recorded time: {"hour": 6, "minute": 41, "second": 33}
